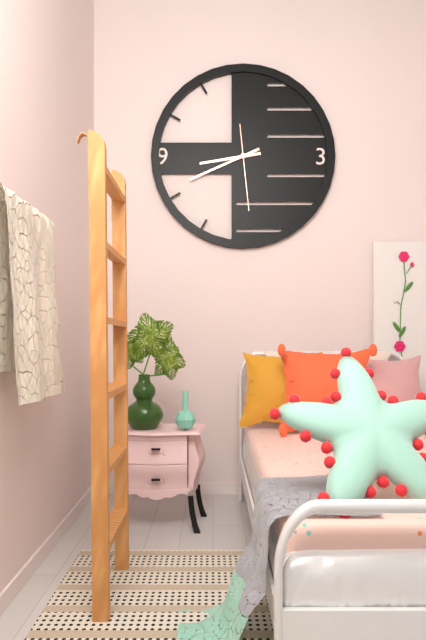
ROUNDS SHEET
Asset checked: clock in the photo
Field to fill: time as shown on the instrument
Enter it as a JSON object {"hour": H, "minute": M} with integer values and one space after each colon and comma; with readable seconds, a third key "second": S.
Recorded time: {"hour": 8, "minute": 41, "second": 29}
